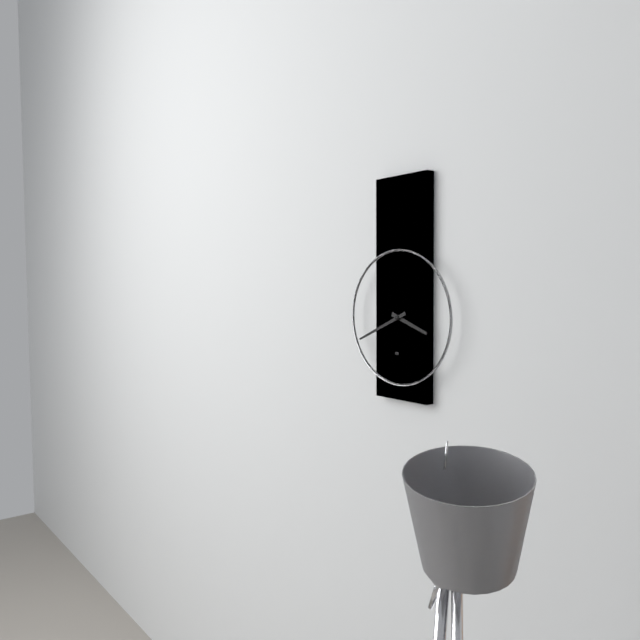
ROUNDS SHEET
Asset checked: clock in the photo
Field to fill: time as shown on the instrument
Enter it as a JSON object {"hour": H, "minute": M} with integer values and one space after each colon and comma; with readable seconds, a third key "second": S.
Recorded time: {"hour": 3, "minute": 41}
